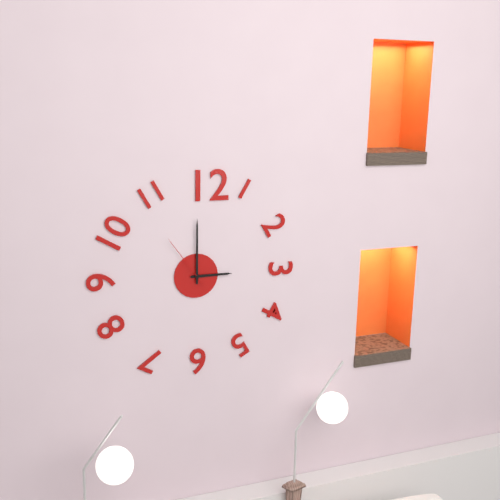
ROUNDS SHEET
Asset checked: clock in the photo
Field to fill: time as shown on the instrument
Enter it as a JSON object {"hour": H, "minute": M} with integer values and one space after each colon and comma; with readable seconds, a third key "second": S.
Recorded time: {"hour": 3, "minute": 0, "second": 54}
